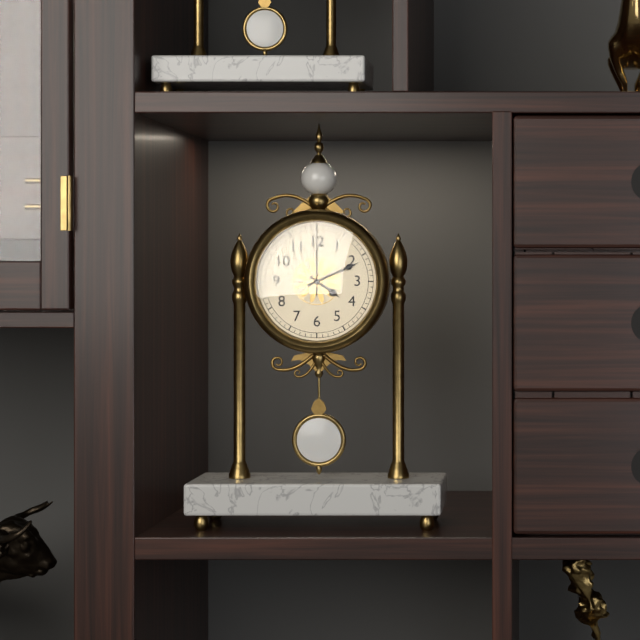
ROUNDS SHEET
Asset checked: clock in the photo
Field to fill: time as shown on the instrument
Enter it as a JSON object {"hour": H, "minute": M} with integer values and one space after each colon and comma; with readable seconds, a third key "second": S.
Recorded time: {"hour": 4, "minute": 11, "second": 0}
